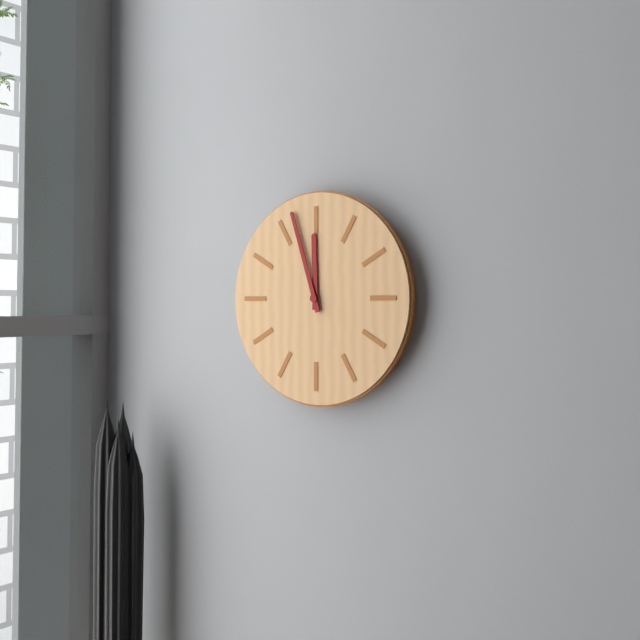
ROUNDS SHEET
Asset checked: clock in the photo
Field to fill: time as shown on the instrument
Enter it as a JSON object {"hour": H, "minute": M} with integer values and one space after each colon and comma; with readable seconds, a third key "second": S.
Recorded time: {"hour": 11, "minute": 57}
